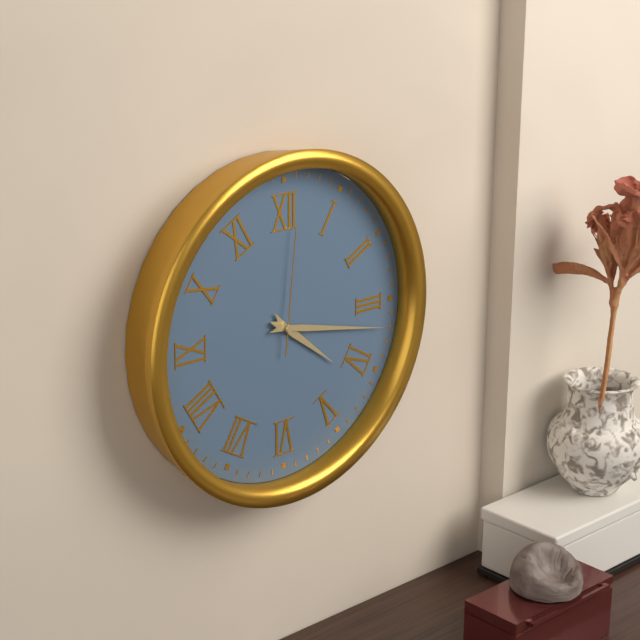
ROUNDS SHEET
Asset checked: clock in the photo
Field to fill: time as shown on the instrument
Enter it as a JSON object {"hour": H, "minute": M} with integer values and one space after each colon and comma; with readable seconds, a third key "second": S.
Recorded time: {"hour": 4, "minute": 17, "second": 1}
